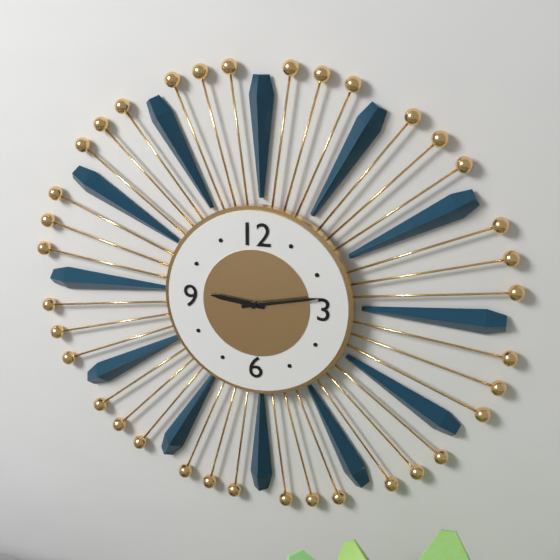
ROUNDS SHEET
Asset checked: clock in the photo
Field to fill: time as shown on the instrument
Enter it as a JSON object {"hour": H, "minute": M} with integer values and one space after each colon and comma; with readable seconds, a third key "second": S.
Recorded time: {"hour": 9, "minute": 13}
